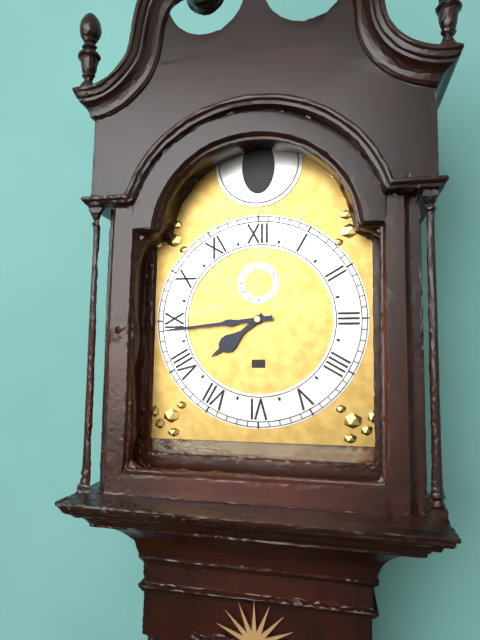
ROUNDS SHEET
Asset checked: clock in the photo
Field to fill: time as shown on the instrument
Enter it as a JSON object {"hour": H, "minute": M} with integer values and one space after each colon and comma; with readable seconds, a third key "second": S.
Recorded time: {"hour": 7, "minute": 44}
